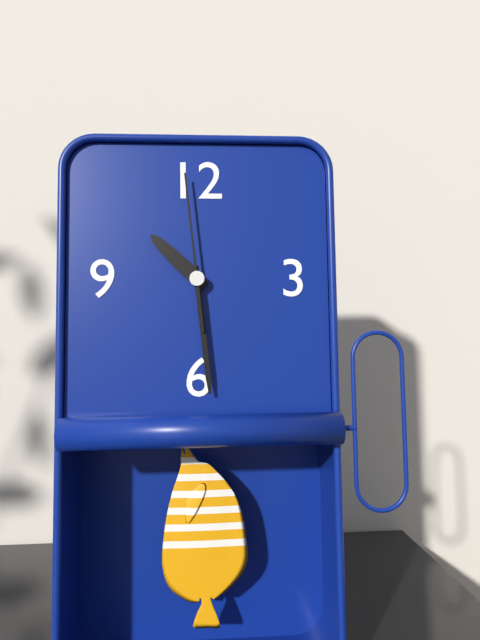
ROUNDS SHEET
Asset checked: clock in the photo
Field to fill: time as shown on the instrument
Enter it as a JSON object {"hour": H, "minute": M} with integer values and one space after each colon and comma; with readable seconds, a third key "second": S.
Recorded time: {"hour": 10, "minute": 29, "second": 59}
